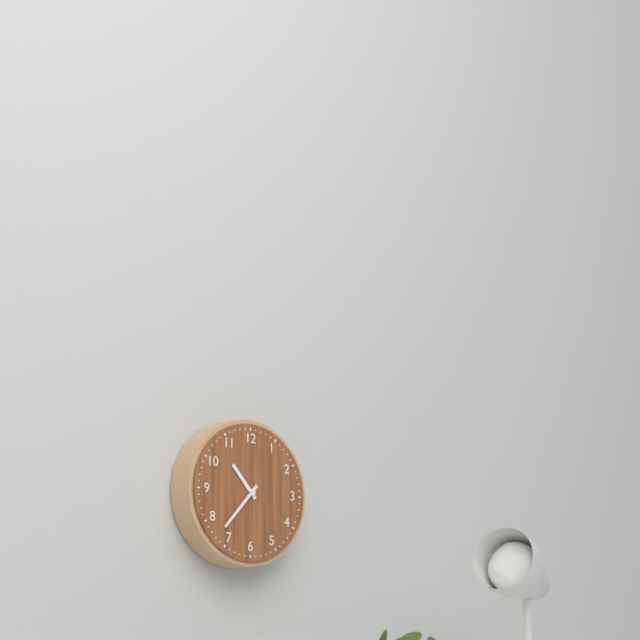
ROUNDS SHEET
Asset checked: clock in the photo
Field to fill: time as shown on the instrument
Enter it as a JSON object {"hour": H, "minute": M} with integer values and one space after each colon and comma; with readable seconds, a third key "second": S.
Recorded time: {"hour": 10, "minute": 37}
